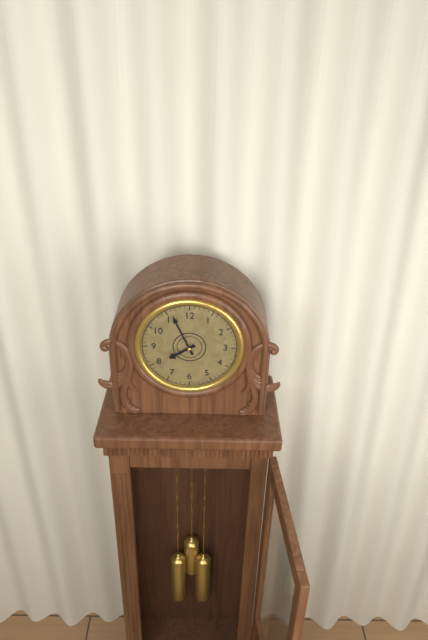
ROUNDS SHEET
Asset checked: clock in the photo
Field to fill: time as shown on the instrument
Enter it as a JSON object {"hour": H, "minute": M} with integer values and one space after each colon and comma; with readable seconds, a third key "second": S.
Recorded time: {"hour": 7, "minute": 56}
